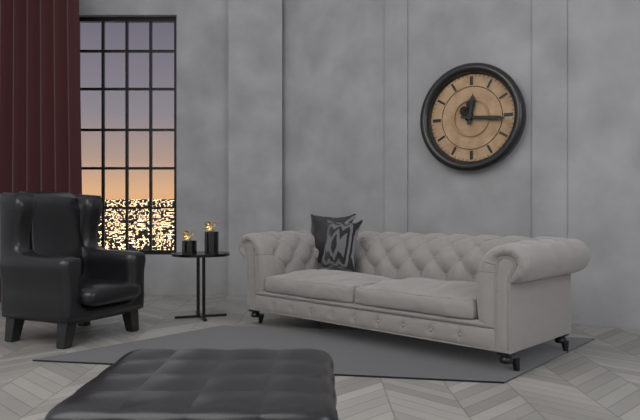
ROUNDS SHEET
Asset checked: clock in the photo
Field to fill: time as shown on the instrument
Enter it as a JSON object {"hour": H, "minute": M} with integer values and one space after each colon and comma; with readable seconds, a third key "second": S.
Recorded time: {"hour": 12, "minute": 16}
